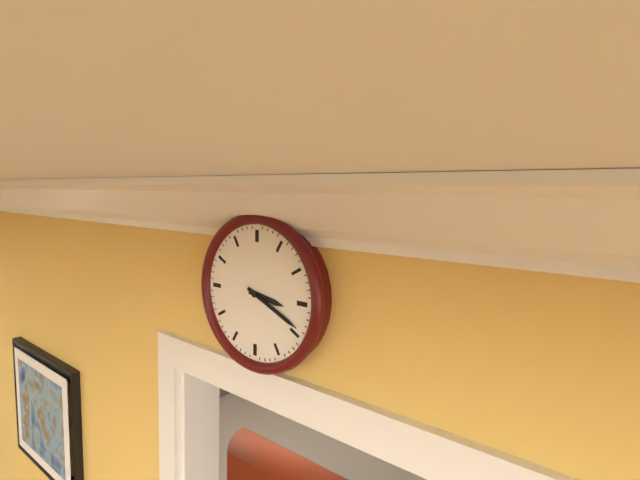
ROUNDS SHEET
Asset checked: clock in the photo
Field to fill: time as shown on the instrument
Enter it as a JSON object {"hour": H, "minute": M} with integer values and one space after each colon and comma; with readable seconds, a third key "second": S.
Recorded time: {"hour": 3, "minute": 19}
